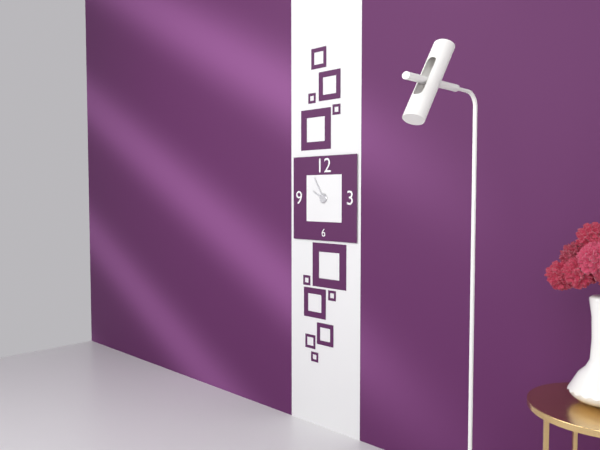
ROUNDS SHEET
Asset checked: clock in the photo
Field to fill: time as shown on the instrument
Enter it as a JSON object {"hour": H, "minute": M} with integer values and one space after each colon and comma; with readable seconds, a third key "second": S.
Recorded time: {"hour": 9, "minute": 55}
